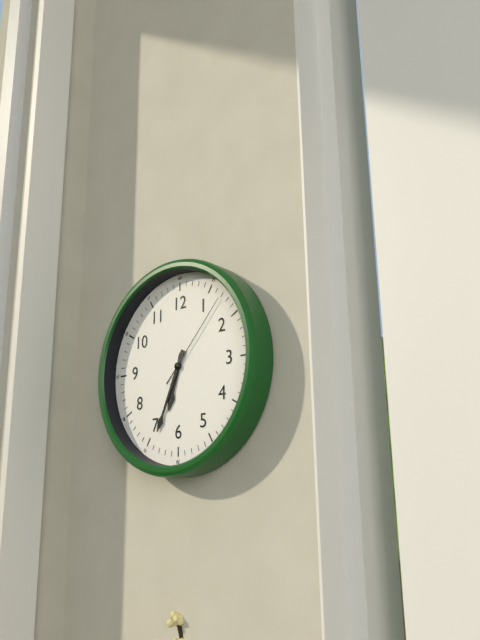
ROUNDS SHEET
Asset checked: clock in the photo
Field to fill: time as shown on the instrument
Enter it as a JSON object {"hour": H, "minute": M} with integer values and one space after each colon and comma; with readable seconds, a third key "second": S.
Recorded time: {"hour": 6, "minute": 34, "second": 7}
